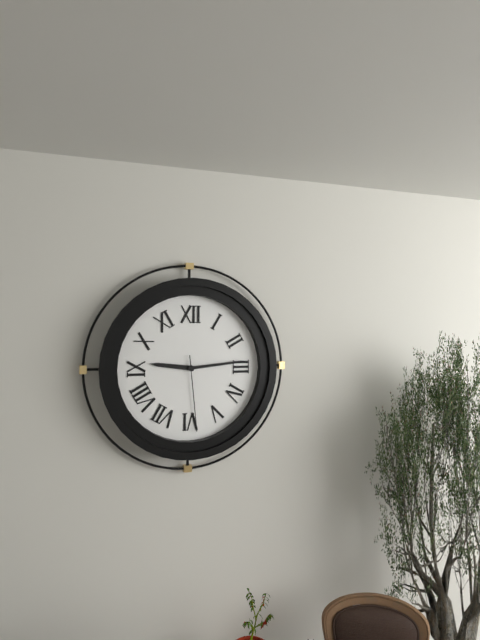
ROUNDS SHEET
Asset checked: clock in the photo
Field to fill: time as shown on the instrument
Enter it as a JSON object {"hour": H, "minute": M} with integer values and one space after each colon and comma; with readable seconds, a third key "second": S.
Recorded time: {"hour": 9, "minute": 14, "second": 29}
